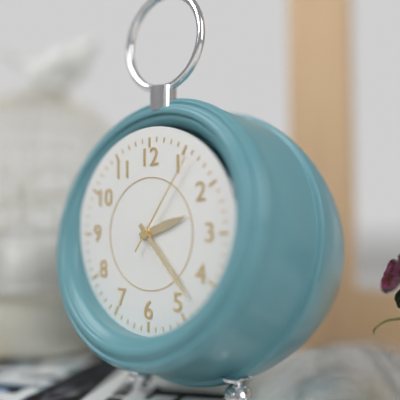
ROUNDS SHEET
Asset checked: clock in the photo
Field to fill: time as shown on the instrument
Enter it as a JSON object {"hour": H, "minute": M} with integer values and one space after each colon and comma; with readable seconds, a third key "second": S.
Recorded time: {"hour": 2, "minute": 23, "second": 6}
